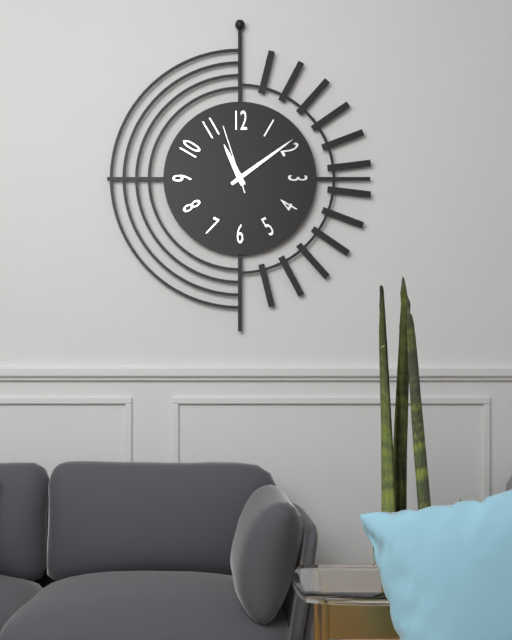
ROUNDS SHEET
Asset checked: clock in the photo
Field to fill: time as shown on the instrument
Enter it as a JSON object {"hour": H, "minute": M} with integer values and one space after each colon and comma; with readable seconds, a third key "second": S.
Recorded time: {"hour": 11, "minute": 9, "second": 57}
